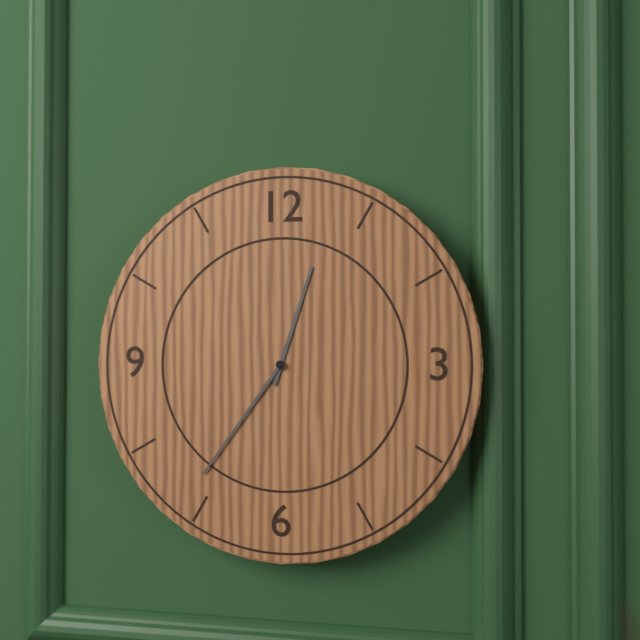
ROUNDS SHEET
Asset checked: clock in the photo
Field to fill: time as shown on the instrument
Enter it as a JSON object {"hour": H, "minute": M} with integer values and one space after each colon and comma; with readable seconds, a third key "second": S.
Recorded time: {"hour": 12, "minute": 36}
